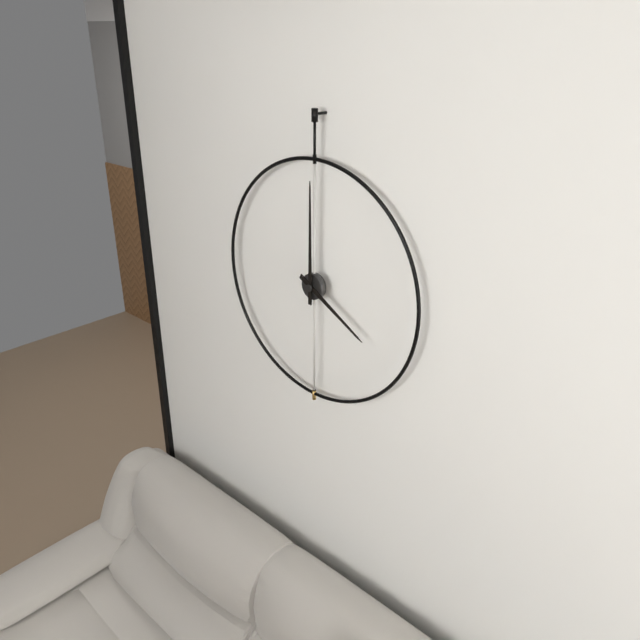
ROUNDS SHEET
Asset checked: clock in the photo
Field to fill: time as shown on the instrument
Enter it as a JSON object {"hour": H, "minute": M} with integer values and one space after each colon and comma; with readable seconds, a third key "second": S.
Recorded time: {"hour": 4, "minute": 0}
